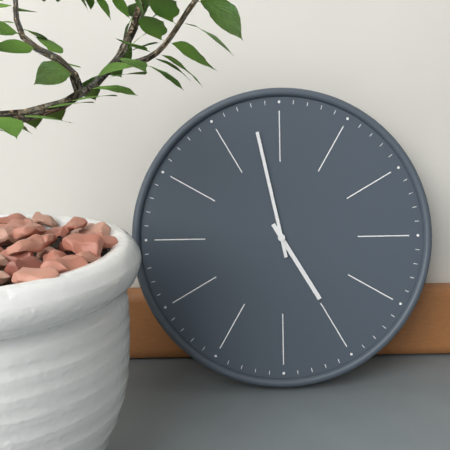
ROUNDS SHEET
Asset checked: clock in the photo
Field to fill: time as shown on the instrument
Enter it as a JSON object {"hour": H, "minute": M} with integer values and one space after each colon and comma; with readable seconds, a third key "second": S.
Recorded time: {"hour": 4, "minute": 58}
